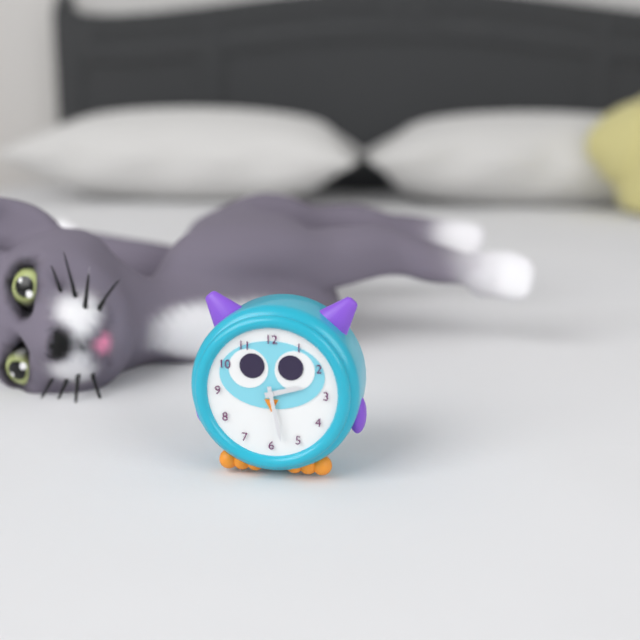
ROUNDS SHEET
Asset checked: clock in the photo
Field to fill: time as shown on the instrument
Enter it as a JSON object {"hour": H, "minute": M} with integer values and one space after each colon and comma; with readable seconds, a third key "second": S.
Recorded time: {"hour": 2, "minute": 28}
